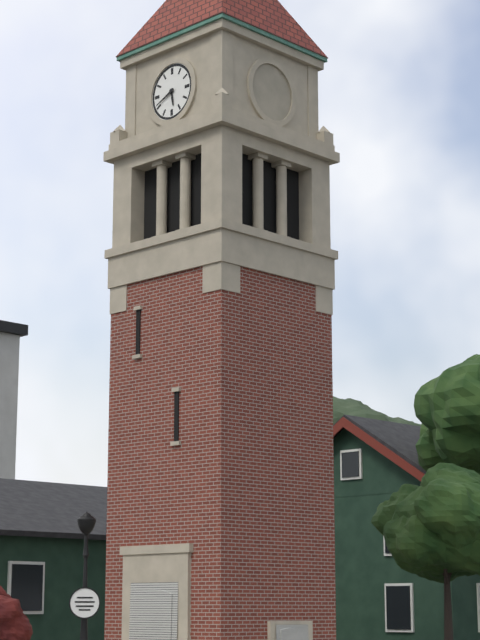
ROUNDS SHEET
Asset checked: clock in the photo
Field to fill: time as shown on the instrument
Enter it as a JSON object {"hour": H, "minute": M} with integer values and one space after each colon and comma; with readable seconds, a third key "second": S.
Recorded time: {"hour": 5, "minute": 41}
